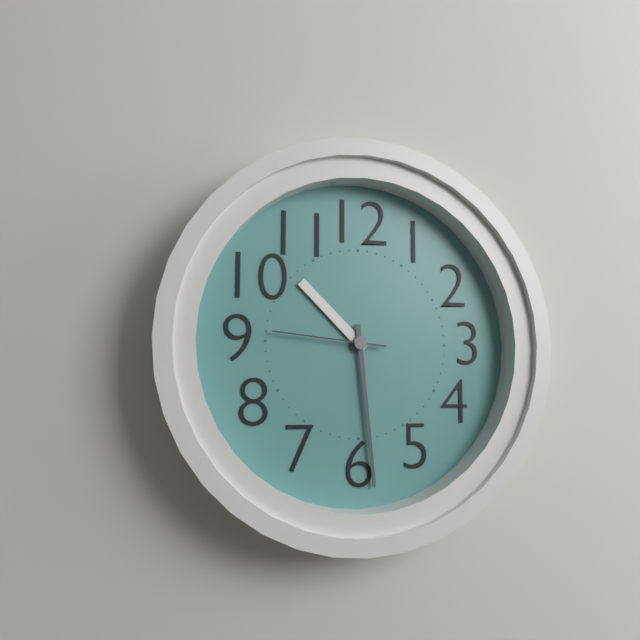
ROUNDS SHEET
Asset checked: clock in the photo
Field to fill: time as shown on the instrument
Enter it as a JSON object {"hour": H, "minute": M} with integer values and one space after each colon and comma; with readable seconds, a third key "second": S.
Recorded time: {"hour": 10, "minute": 29, "second": 46}
